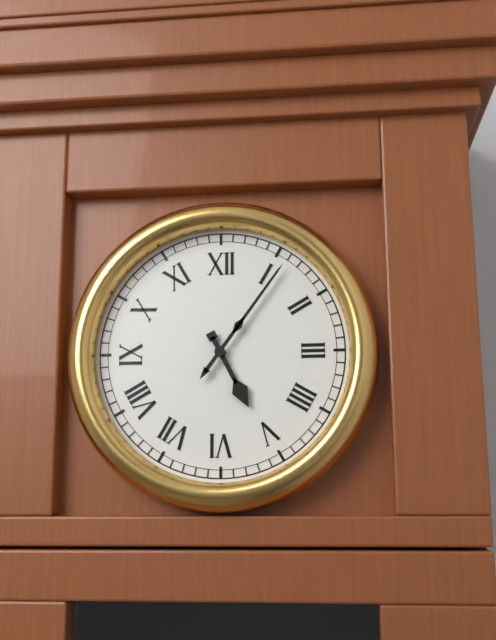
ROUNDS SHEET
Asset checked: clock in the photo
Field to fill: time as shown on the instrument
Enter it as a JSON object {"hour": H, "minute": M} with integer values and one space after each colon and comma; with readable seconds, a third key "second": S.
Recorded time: {"hour": 5, "minute": 6}
